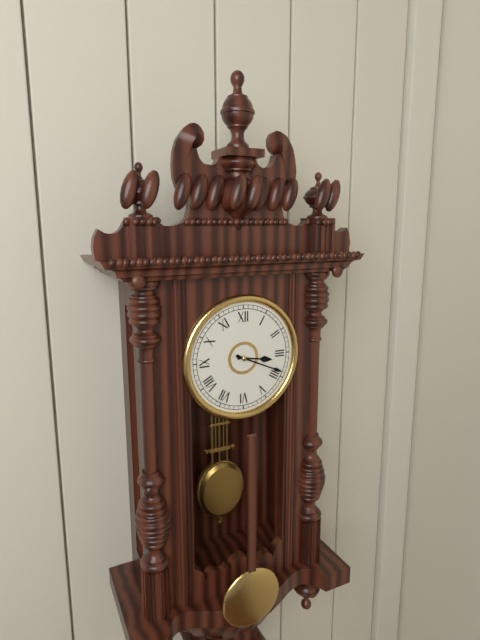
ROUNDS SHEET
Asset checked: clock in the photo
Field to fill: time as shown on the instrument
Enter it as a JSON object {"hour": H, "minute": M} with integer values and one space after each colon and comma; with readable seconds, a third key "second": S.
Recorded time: {"hour": 3, "minute": 19}
